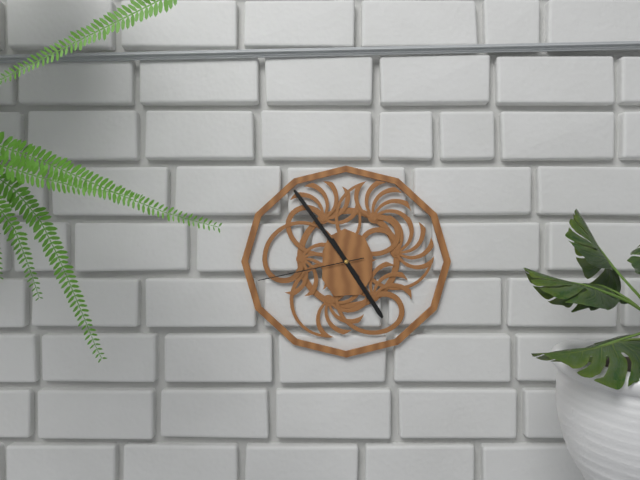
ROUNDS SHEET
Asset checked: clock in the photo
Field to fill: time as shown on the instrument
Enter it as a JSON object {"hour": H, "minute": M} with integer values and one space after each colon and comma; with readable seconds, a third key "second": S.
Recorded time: {"hour": 4, "minute": 54, "second": 43}
